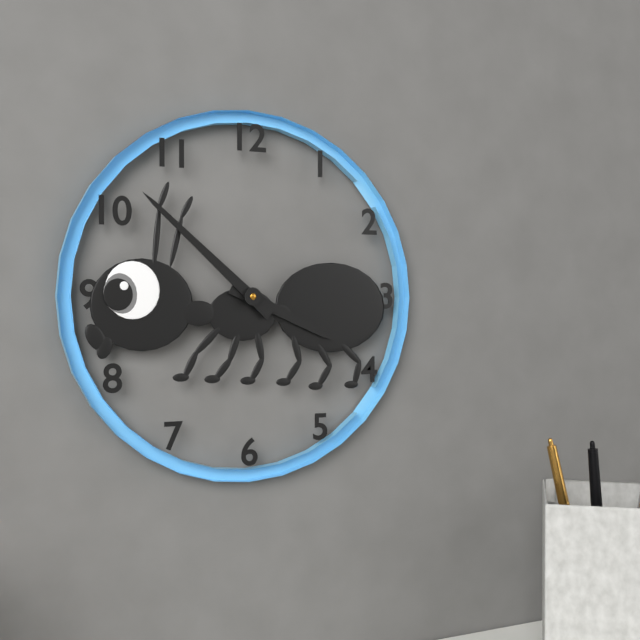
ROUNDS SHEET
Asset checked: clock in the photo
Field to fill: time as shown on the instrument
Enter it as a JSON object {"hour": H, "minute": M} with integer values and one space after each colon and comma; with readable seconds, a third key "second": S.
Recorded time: {"hour": 3, "minute": 52}
